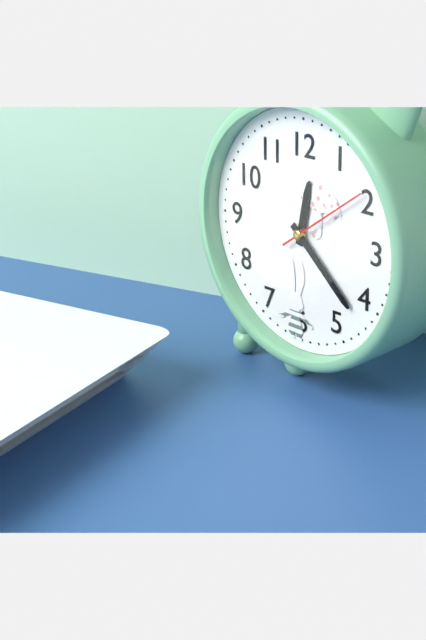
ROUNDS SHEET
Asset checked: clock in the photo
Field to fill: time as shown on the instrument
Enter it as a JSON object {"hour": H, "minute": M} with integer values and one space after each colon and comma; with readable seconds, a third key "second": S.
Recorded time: {"hour": 12, "minute": 22, "second": 9}
